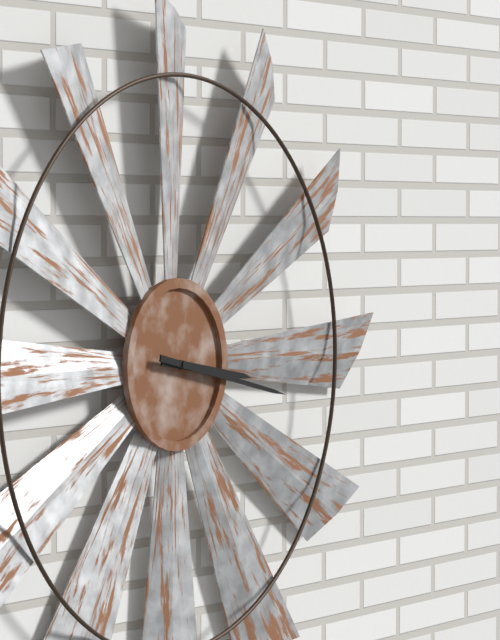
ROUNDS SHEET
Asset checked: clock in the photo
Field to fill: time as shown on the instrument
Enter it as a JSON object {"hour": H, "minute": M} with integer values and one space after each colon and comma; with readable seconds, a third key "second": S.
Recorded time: {"hour": 3, "minute": 17}
